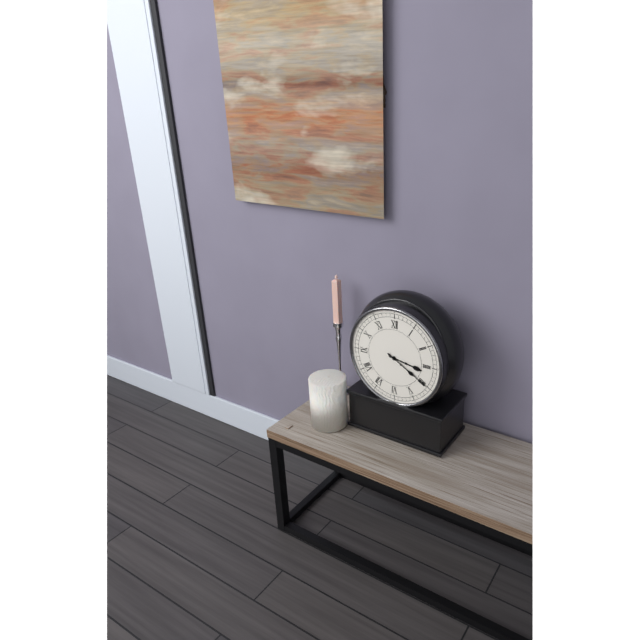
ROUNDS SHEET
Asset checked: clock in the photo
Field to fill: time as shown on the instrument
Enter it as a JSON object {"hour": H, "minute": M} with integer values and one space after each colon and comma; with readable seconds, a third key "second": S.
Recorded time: {"hour": 3, "minute": 20}
